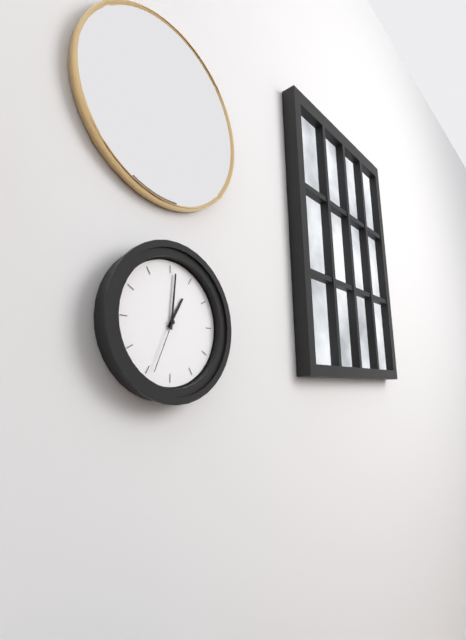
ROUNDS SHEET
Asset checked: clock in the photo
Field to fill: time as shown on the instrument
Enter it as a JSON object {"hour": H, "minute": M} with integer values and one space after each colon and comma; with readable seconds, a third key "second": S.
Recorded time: {"hour": 1, "minute": 1, "second": 34}
